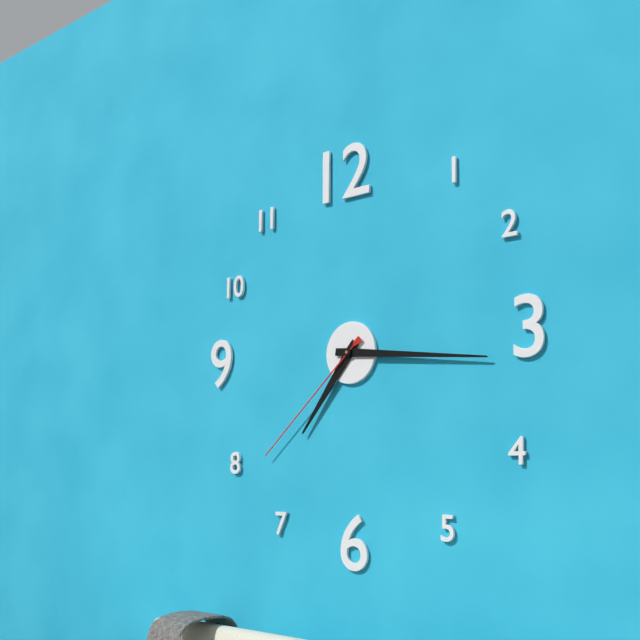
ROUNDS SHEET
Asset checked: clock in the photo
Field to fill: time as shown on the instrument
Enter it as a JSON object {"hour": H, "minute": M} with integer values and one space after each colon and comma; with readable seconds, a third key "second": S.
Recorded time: {"hour": 7, "minute": 16, "second": 38}
